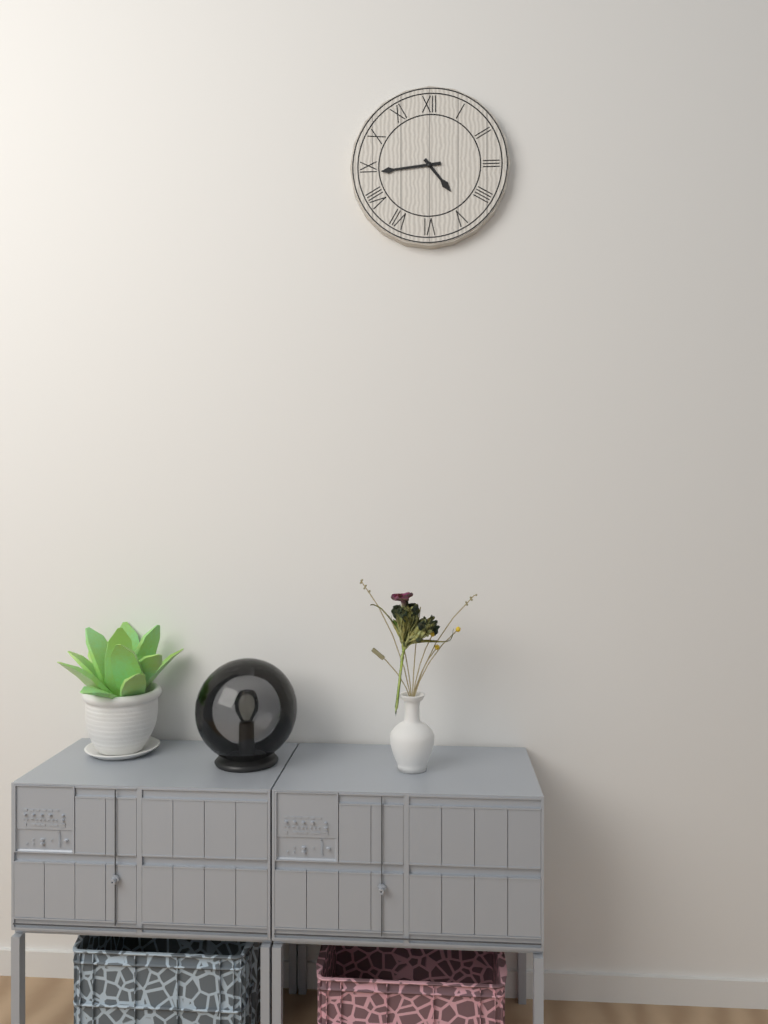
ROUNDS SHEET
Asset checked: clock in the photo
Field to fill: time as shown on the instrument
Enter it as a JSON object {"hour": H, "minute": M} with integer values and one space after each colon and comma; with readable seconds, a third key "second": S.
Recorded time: {"hour": 4, "minute": 44}
